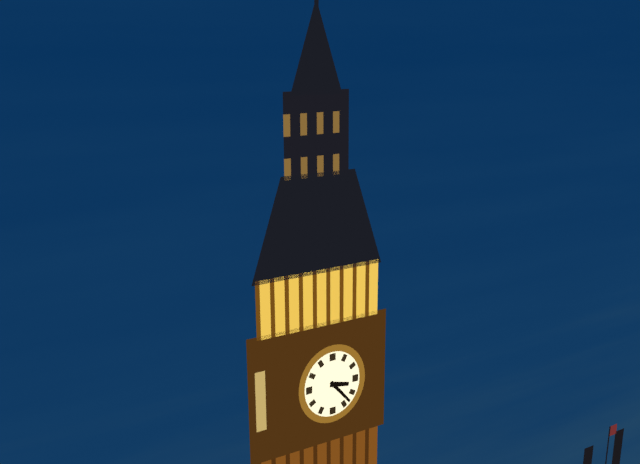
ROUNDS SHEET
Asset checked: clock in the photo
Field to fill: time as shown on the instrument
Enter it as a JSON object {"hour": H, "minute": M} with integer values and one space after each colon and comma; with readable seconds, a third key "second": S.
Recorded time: {"hour": 3, "minute": 23}
